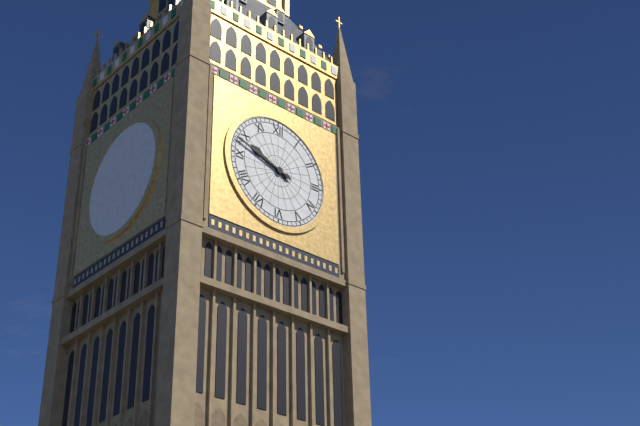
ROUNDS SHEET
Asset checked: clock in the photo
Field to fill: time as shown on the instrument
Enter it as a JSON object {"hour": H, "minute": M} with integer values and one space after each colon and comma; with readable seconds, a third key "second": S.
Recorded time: {"hour": 9, "minute": 48}
